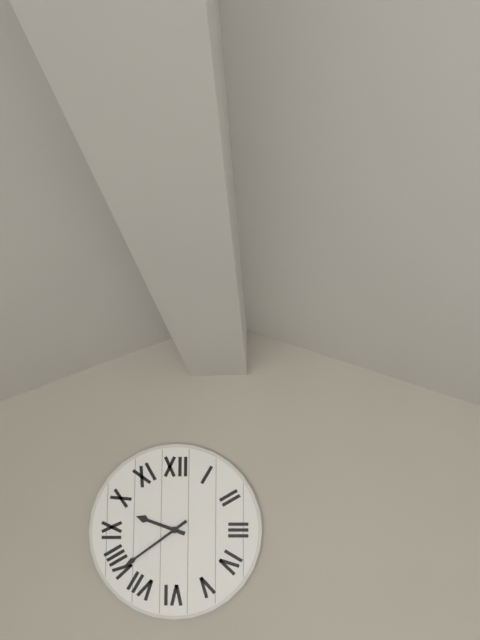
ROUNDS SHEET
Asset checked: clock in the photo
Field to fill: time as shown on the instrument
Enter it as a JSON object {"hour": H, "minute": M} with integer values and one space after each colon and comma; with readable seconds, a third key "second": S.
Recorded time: {"hour": 9, "minute": 39}
